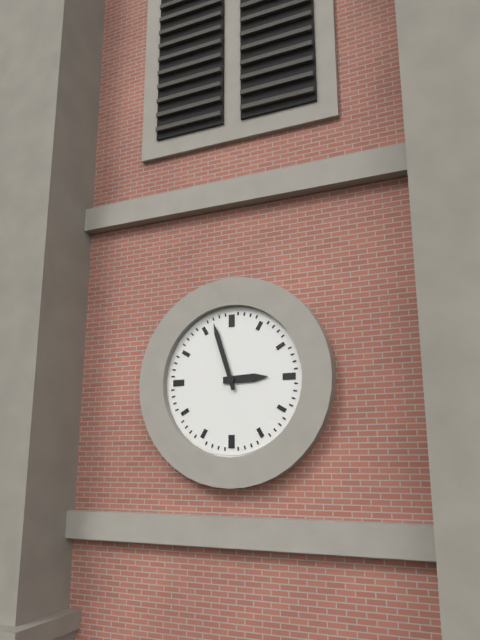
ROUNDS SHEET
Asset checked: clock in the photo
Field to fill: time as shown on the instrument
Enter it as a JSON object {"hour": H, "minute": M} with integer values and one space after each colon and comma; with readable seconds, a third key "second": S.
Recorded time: {"hour": 2, "minute": 57}
